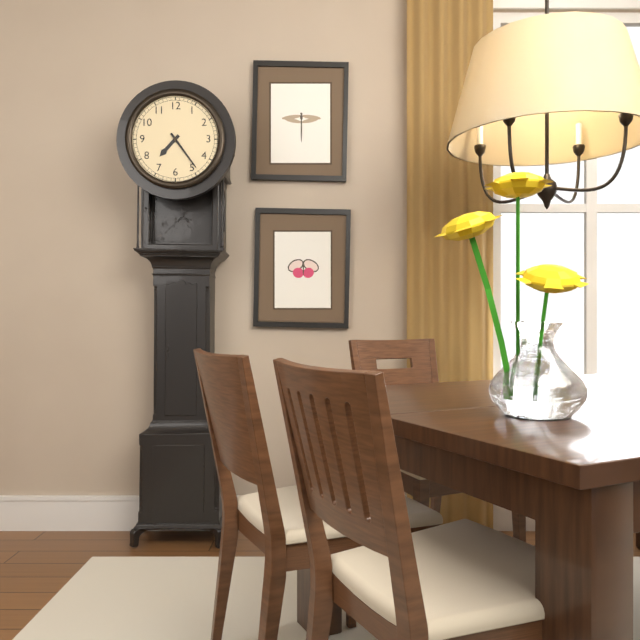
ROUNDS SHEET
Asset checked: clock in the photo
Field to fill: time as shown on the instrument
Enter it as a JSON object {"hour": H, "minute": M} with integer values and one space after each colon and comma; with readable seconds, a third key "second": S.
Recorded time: {"hour": 7, "minute": 24}
